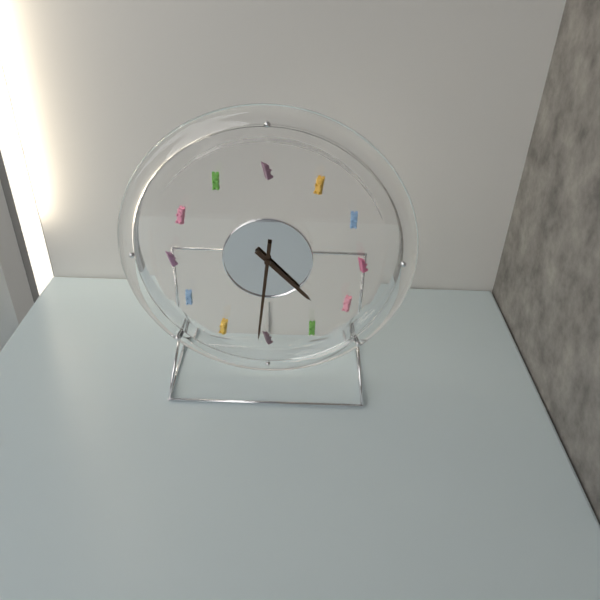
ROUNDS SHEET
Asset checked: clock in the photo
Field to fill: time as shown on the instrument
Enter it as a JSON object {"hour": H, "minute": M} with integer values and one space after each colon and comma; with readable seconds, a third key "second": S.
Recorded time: {"hour": 4, "minute": 31}
